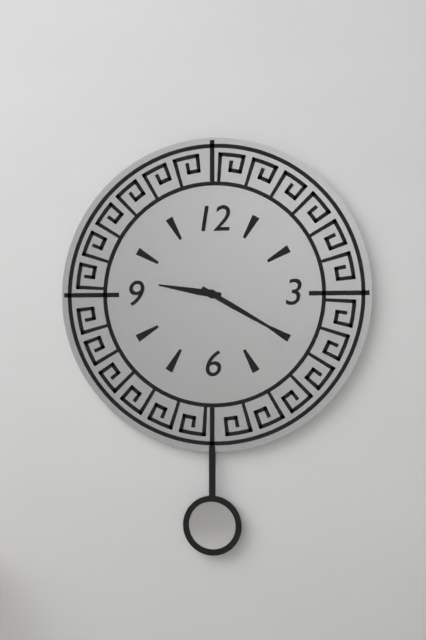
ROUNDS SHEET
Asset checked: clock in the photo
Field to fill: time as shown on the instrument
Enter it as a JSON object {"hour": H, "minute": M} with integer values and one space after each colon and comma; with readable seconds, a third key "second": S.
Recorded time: {"hour": 9, "minute": 20}
